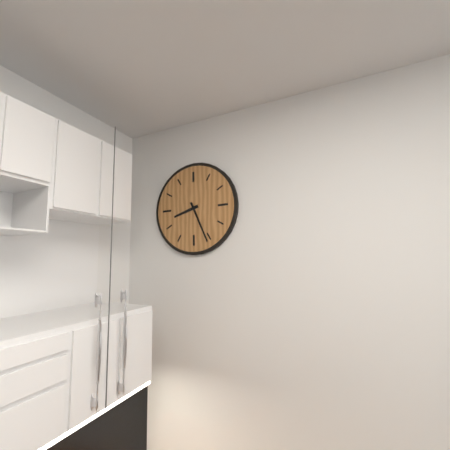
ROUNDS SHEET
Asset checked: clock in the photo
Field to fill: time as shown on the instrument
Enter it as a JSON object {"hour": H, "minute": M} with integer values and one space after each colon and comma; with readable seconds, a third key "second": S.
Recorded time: {"hour": 8, "minute": 26}
